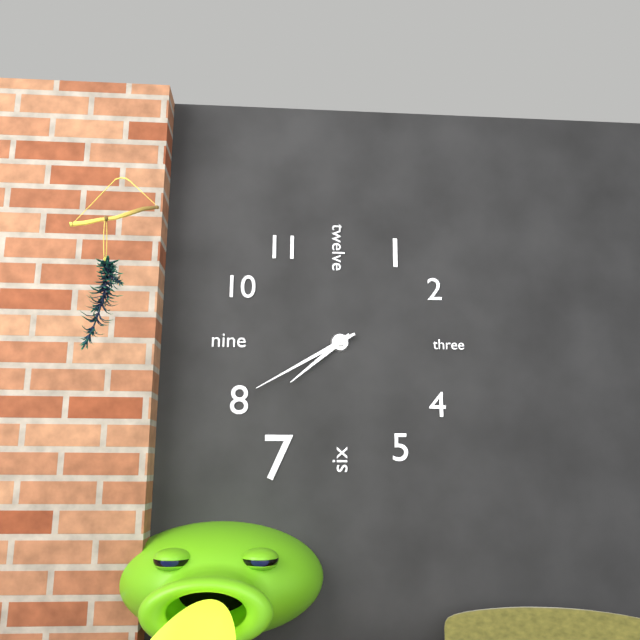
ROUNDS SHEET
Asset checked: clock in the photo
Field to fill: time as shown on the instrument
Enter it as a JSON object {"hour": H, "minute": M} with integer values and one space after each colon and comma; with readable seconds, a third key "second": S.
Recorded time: {"hour": 7, "minute": 40}
